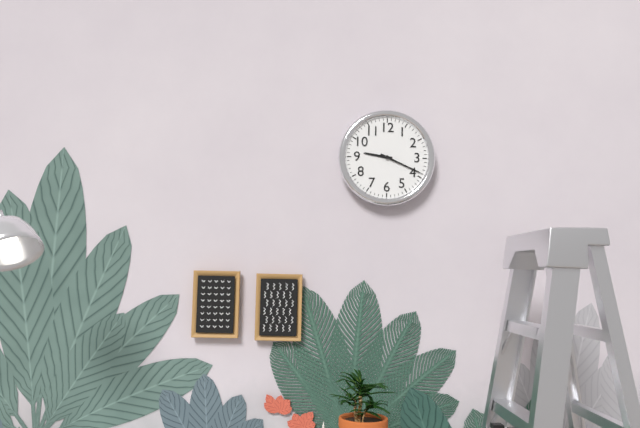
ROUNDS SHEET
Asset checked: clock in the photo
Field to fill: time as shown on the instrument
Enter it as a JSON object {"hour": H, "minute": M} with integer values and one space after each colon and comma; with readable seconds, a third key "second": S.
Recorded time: {"hour": 9, "minute": 19}
